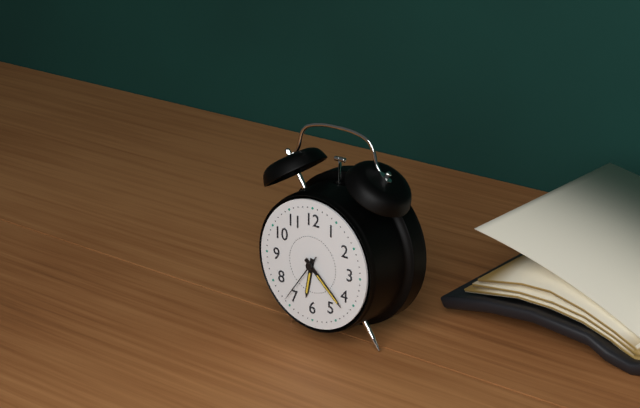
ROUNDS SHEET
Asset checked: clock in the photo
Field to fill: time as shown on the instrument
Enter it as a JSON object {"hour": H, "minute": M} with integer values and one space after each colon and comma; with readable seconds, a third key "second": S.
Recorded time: {"hour": 6, "minute": 22, "second": 36}
